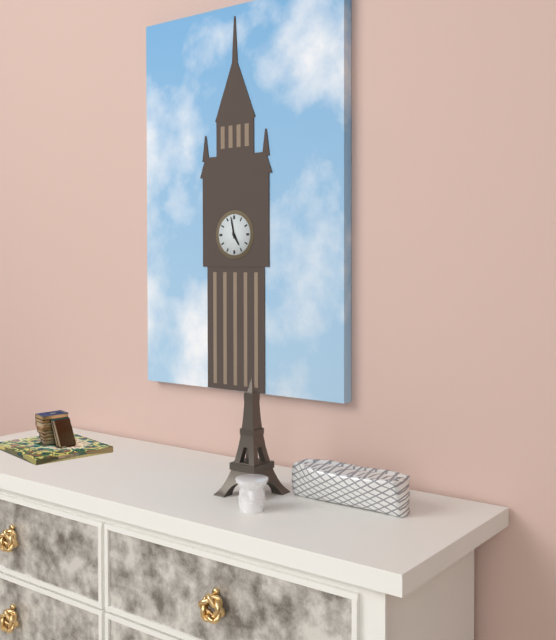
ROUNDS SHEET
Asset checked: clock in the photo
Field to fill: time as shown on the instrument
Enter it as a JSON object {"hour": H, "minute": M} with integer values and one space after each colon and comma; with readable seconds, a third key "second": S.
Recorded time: {"hour": 4, "minute": 58}
